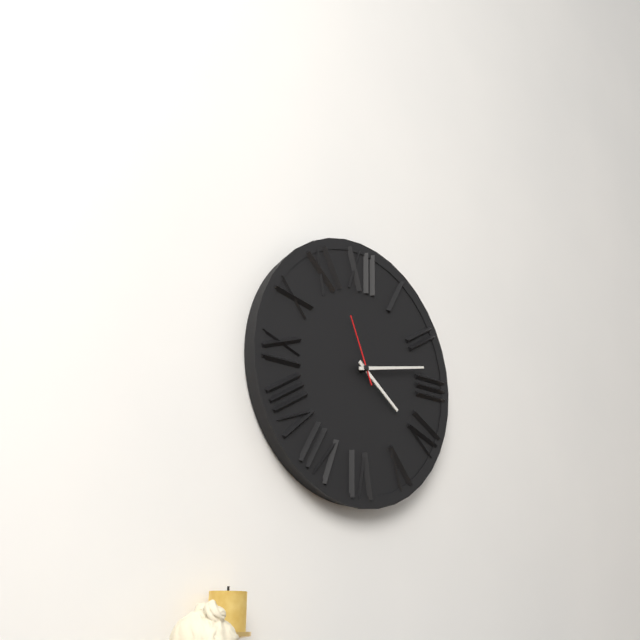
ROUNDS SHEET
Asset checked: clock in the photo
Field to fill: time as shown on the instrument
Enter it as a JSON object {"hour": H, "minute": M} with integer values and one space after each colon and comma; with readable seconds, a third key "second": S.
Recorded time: {"hour": 4, "minute": 13, "second": 56}
